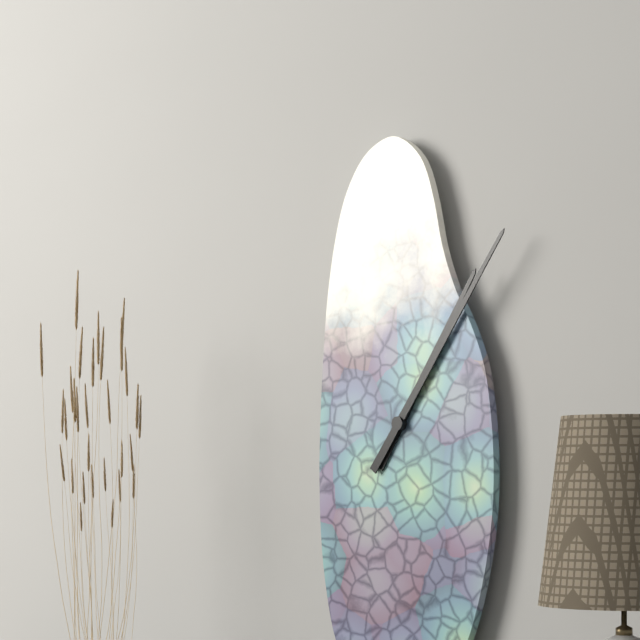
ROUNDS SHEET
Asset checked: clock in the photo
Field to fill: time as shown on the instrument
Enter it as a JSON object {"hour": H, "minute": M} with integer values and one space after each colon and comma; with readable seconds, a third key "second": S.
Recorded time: {"hour": 1, "minute": 6}
